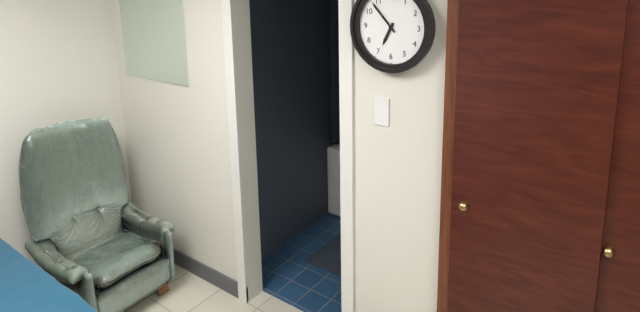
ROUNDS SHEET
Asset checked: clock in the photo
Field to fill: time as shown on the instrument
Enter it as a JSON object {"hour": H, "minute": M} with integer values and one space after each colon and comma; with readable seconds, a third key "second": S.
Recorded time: {"hour": 6, "minute": 53}
